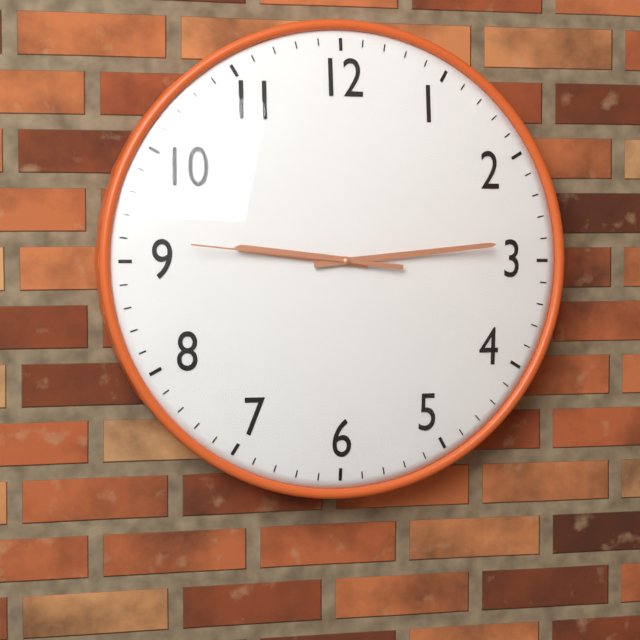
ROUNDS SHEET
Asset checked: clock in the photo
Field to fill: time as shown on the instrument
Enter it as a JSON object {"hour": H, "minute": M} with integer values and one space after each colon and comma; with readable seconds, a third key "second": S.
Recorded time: {"hour": 9, "minute": 14, "second": 46}
